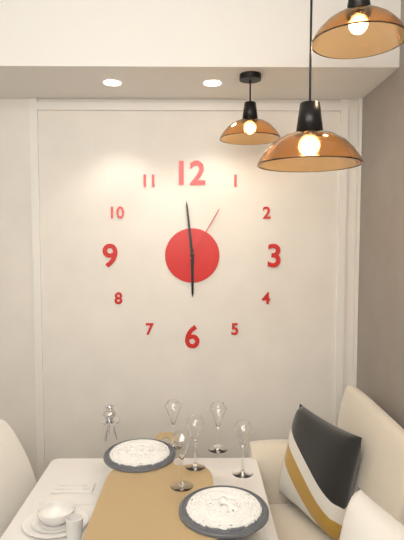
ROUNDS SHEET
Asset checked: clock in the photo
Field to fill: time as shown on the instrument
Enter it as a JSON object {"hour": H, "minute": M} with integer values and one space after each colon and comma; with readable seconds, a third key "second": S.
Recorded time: {"hour": 5, "minute": 59, "second": 5}
